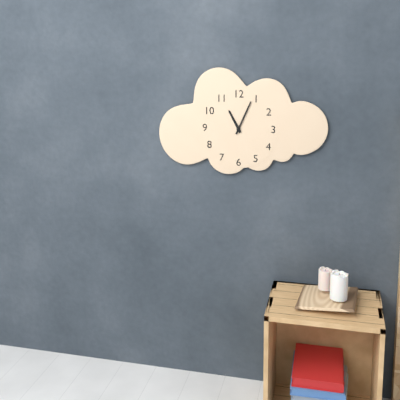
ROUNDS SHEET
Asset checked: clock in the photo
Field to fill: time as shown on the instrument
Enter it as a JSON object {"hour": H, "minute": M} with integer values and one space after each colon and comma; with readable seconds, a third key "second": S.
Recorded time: {"hour": 11, "minute": 4}
